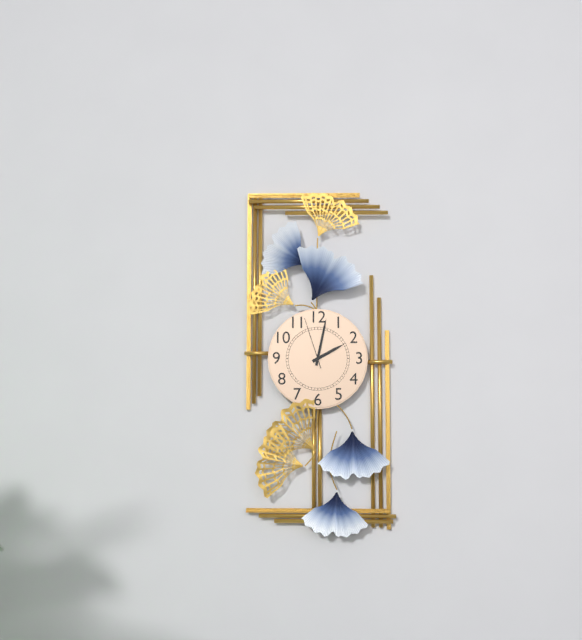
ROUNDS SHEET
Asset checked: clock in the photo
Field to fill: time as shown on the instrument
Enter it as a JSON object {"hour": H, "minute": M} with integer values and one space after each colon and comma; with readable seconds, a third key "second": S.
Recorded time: {"hour": 2, "minute": 2, "second": 57}
